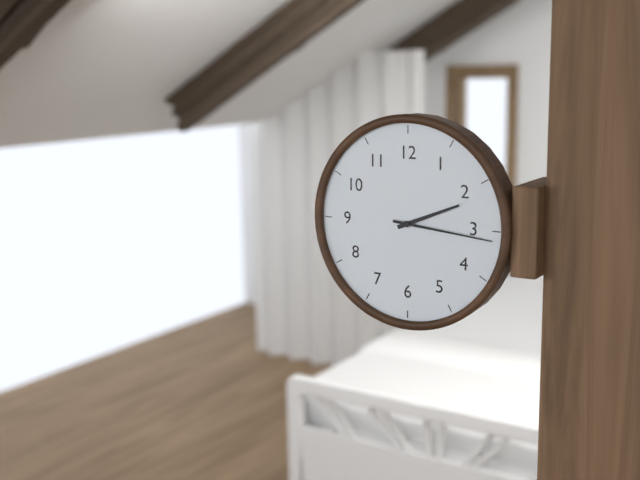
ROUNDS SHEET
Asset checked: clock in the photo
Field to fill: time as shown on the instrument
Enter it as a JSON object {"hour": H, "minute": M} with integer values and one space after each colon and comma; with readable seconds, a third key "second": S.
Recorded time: {"hour": 2, "minute": 16}
